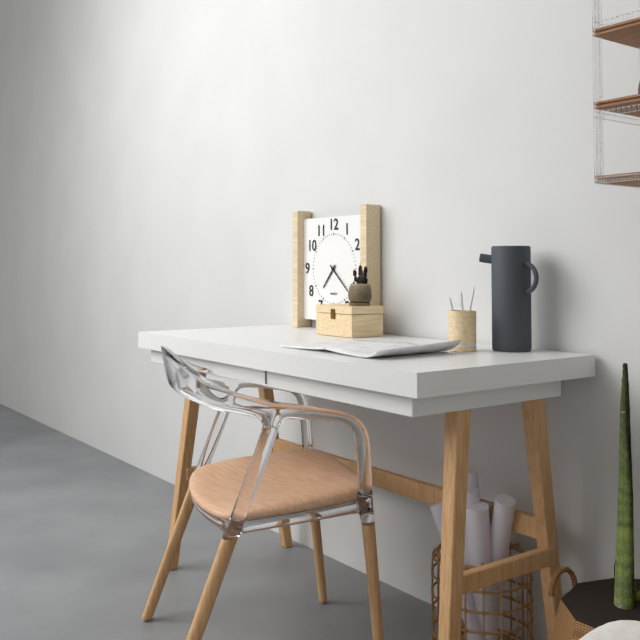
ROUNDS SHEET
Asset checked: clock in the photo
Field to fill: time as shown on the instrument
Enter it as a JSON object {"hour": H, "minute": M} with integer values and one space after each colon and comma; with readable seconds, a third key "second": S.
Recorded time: {"hour": 7, "minute": 22}
